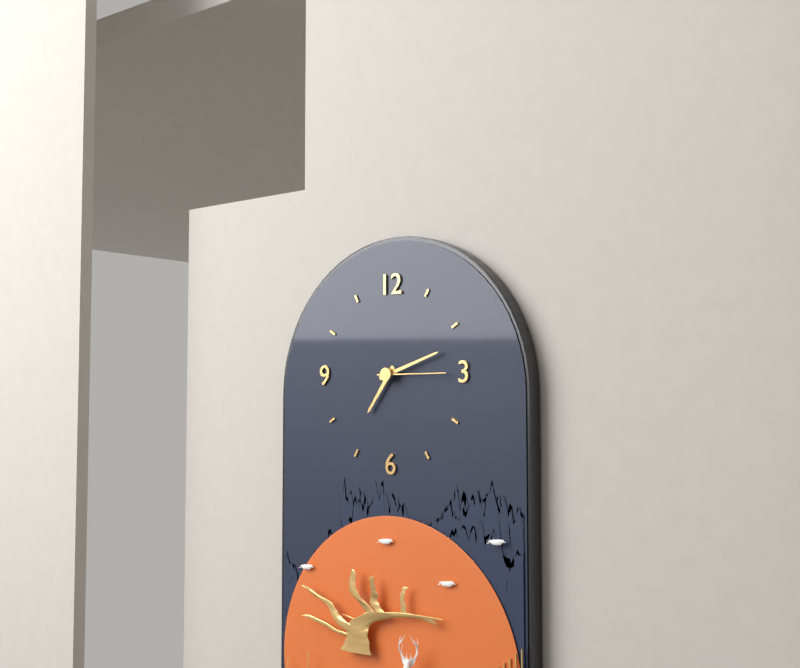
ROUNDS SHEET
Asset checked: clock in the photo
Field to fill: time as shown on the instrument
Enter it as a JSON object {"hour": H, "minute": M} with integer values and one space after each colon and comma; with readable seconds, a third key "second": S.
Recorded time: {"hour": 7, "minute": 12, "second": 15}
